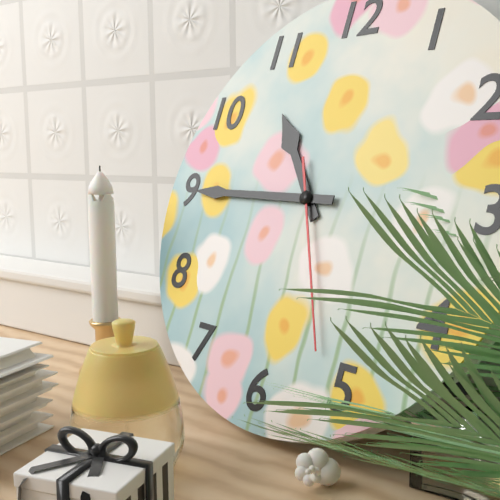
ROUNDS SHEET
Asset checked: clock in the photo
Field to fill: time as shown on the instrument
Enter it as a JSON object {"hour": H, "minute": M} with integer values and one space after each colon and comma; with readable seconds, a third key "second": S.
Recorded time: {"hour": 10, "minute": 45, "second": 26}
